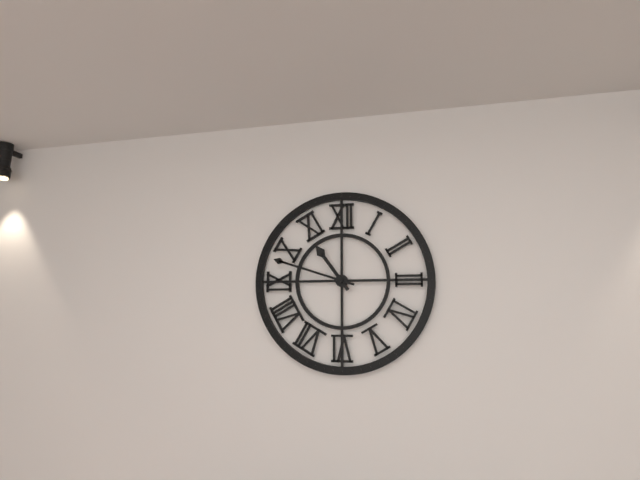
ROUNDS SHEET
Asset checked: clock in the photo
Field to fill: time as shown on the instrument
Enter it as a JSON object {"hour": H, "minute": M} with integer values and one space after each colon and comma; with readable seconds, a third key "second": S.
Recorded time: {"hour": 10, "minute": 48}
